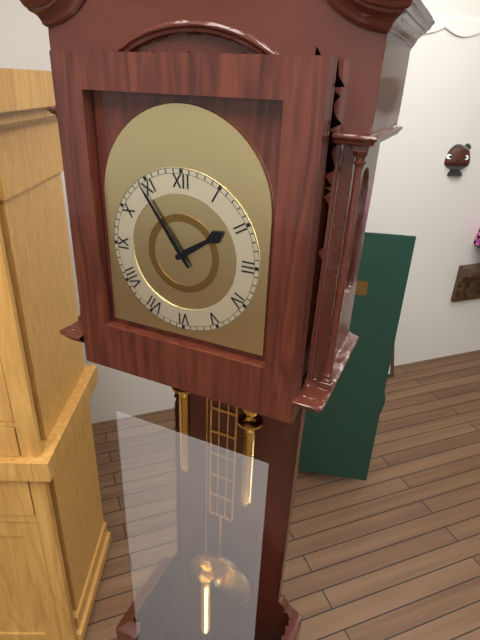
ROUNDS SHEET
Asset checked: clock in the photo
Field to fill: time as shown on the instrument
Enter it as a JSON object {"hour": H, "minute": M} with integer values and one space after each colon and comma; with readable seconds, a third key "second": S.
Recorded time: {"hour": 1, "minute": 54}
